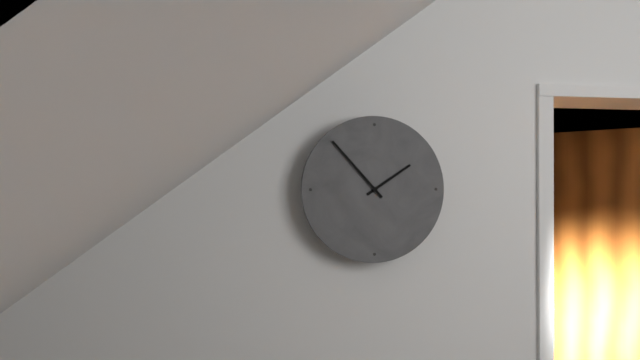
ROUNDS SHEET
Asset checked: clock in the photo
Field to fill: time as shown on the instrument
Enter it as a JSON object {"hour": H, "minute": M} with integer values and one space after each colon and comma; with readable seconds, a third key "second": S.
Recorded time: {"hour": 1, "minute": 53}
